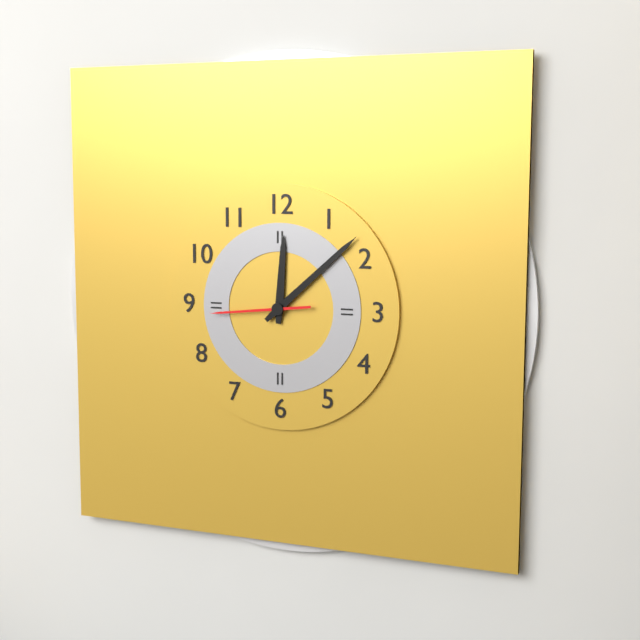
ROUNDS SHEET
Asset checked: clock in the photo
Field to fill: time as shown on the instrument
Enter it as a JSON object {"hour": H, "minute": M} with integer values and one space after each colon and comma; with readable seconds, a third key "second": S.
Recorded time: {"hour": 12, "minute": 8, "second": 44}
